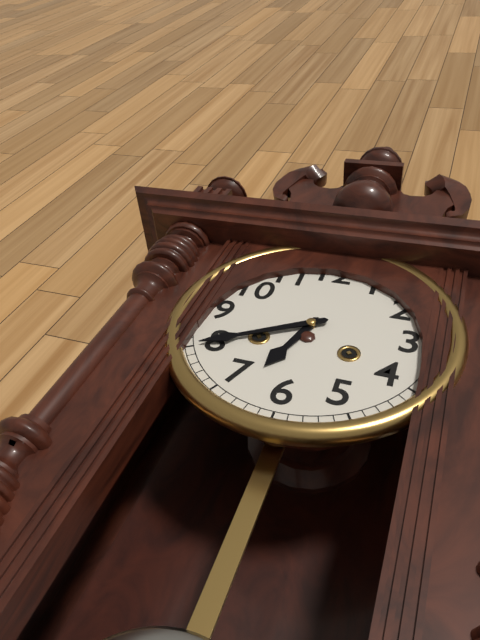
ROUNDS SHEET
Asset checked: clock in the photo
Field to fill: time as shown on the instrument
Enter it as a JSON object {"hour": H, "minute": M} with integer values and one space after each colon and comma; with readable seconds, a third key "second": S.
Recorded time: {"hour": 6, "minute": 40}
